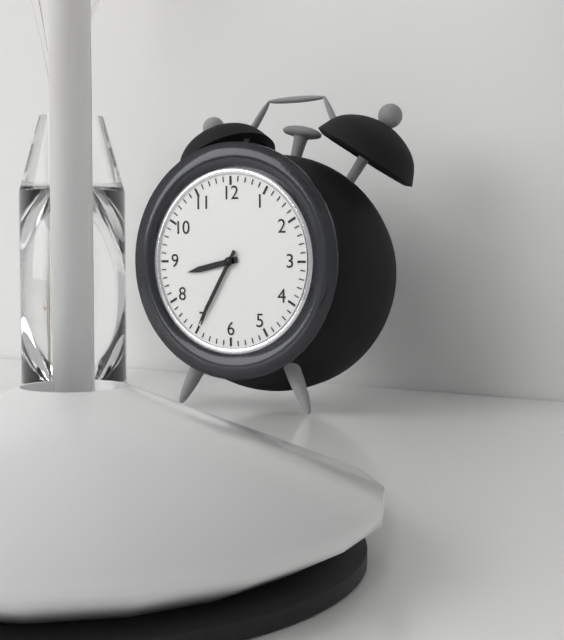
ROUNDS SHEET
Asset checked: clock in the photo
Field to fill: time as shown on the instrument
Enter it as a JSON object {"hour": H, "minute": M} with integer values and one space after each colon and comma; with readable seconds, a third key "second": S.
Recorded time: {"hour": 8, "minute": 35}
